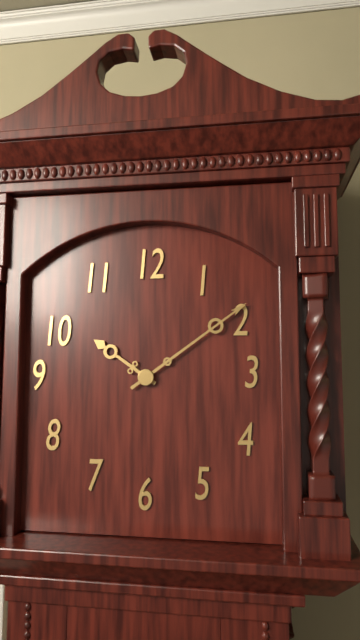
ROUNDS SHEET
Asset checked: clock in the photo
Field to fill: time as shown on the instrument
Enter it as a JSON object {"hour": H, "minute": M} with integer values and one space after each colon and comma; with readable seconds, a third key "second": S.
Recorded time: {"hour": 10, "minute": 9}
